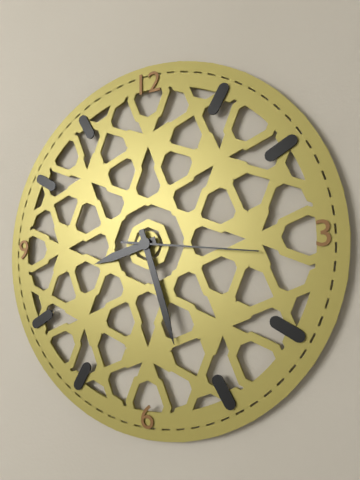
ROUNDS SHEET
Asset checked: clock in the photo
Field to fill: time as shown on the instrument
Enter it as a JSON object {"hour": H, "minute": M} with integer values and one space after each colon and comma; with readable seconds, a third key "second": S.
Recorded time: {"hour": 8, "minute": 27, "second": 16}
